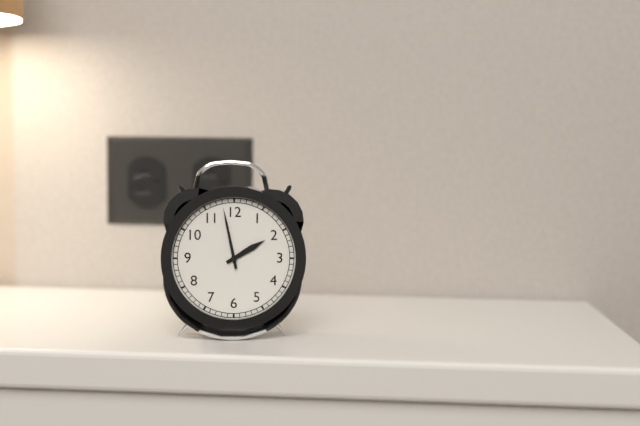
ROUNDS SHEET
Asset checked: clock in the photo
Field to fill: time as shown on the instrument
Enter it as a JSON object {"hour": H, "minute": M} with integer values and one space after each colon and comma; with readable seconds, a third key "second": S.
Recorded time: {"hour": 1, "minute": 58}
